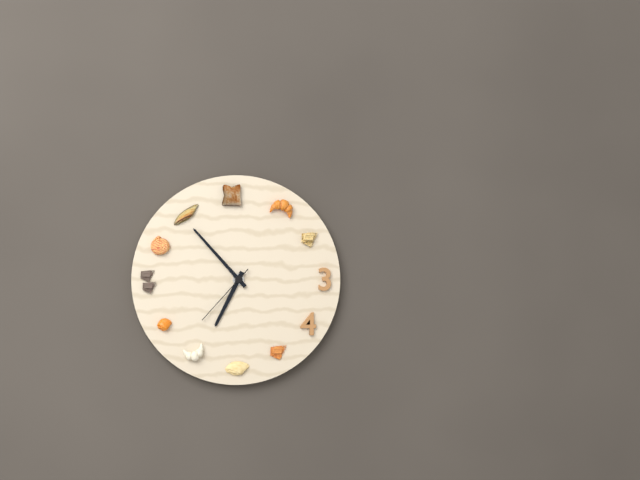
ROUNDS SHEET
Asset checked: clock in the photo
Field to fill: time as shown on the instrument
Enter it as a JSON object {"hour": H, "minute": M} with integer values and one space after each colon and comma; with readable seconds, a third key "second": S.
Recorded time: {"hour": 6, "minute": 53, "second": 37}
